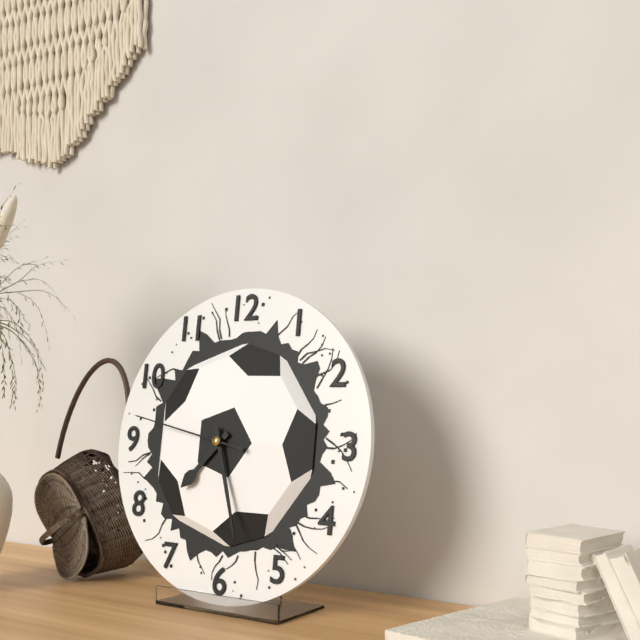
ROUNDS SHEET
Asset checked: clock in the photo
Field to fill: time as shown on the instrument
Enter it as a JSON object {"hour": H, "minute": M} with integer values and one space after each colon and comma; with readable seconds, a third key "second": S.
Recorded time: {"hour": 7, "minute": 27, "second": 47}
